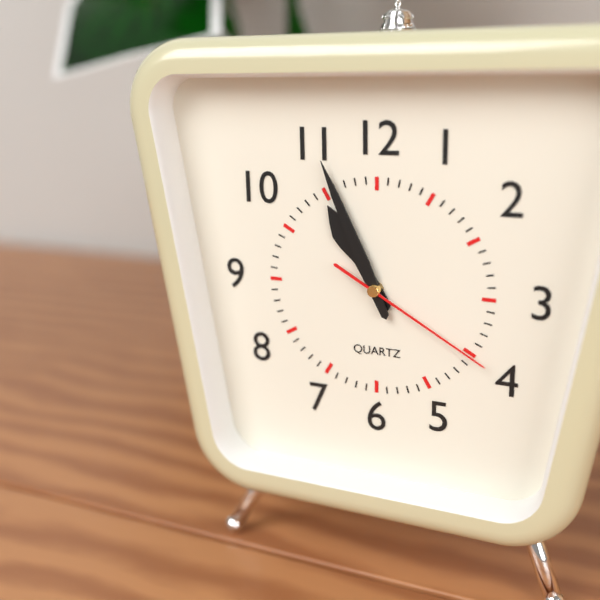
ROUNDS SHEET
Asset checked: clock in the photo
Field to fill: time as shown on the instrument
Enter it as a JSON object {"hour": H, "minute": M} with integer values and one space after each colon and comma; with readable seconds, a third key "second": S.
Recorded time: {"hour": 10, "minute": 56, "second": 20}
